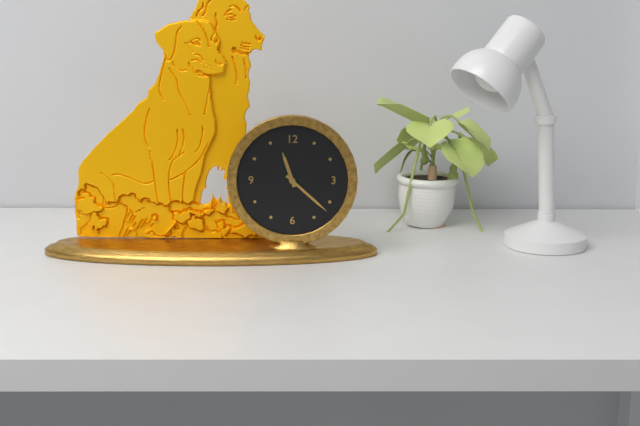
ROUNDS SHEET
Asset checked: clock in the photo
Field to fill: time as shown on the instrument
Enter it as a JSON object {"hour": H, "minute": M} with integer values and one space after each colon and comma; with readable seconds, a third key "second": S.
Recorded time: {"hour": 11, "minute": 22}
